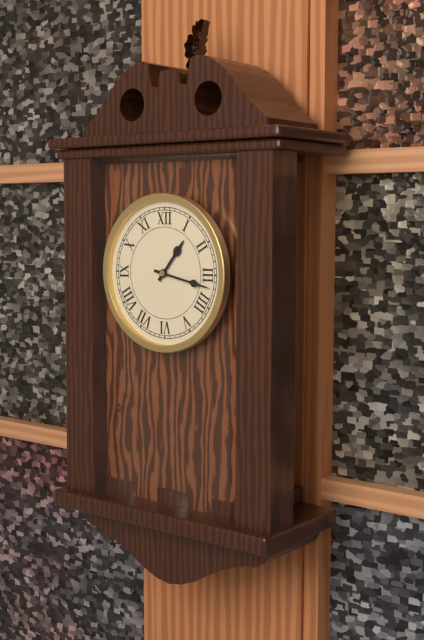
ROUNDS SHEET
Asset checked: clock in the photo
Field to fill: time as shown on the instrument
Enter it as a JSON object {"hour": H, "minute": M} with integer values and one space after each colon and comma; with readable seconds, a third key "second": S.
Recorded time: {"hour": 1, "minute": 17}
